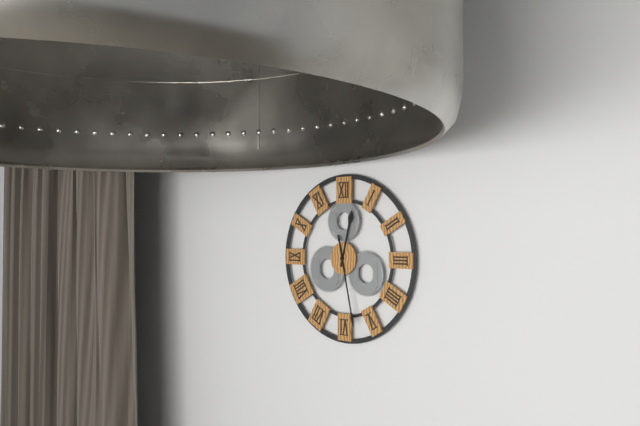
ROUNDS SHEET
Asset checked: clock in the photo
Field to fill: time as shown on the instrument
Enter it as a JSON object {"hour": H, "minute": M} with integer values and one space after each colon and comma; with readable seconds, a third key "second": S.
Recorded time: {"hour": 12, "minute": 28}
